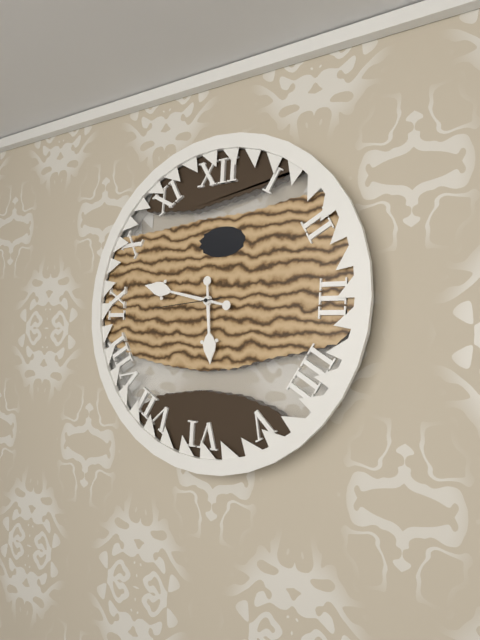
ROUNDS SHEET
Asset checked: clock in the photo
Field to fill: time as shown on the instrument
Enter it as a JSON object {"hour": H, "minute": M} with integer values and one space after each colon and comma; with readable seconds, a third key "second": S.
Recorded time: {"hour": 5, "minute": 47, "second": 44}
